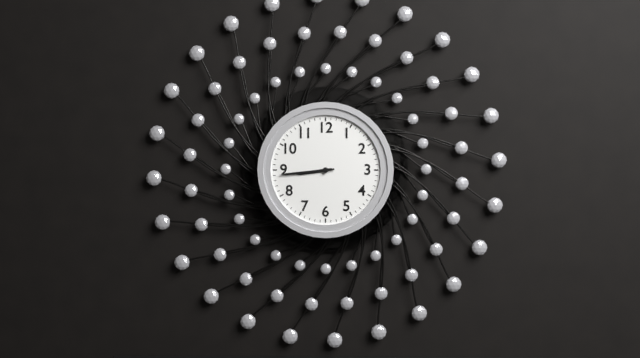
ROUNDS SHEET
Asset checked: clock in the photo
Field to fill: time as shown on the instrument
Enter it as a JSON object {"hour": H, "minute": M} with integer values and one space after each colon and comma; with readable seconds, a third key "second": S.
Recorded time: {"hour": 8, "minute": 44}
